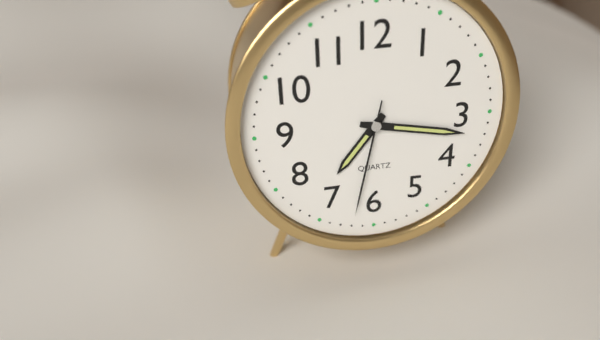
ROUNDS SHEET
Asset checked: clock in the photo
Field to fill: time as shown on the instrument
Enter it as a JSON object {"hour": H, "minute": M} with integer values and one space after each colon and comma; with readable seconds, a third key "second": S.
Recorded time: {"hour": 7, "minute": 17, "second": 32}
